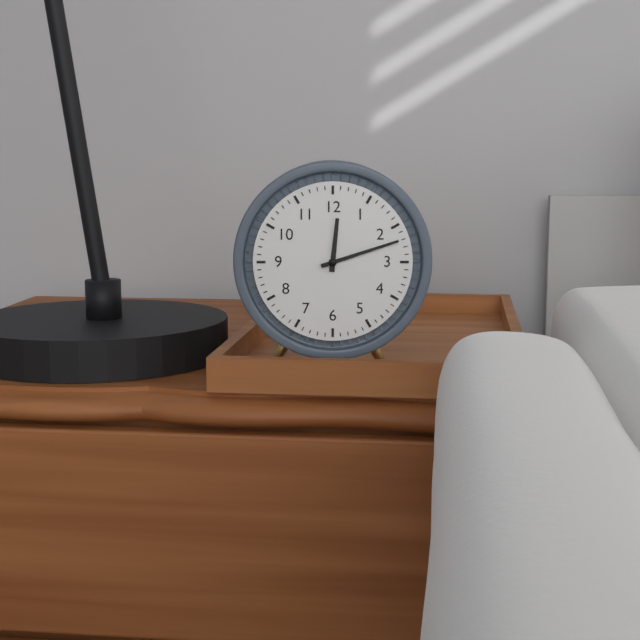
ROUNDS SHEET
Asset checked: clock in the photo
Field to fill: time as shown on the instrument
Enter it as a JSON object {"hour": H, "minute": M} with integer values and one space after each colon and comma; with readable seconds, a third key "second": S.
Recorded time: {"hour": 12, "minute": 12}
